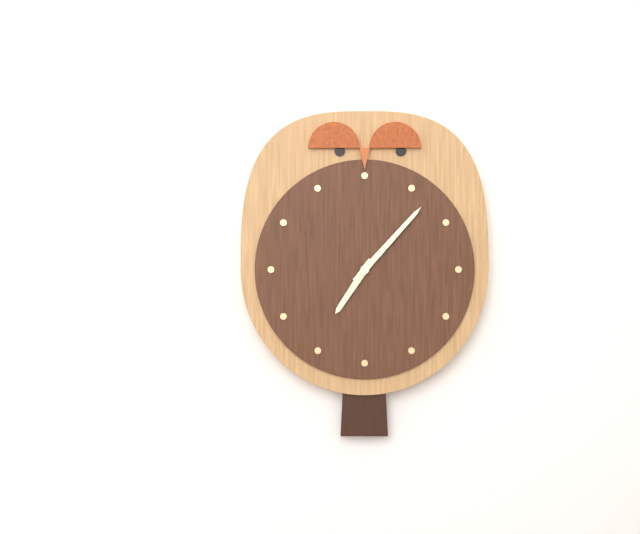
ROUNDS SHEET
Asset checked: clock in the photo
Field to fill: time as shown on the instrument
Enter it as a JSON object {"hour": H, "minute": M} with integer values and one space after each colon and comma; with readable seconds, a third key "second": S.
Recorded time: {"hour": 7, "minute": 7}
